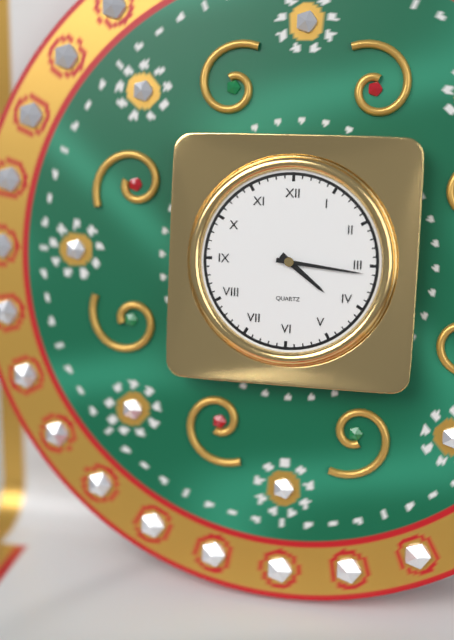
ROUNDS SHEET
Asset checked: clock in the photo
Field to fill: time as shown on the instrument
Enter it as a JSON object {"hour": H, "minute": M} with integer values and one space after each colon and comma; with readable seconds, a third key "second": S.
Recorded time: {"hour": 4, "minute": 16}
